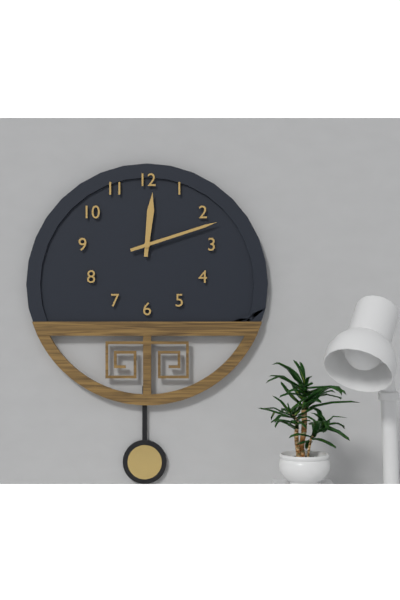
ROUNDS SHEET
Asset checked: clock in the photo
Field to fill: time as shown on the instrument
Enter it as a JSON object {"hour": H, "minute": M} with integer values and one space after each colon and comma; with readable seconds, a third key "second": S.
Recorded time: {"hour": 12, "minute": 12}
